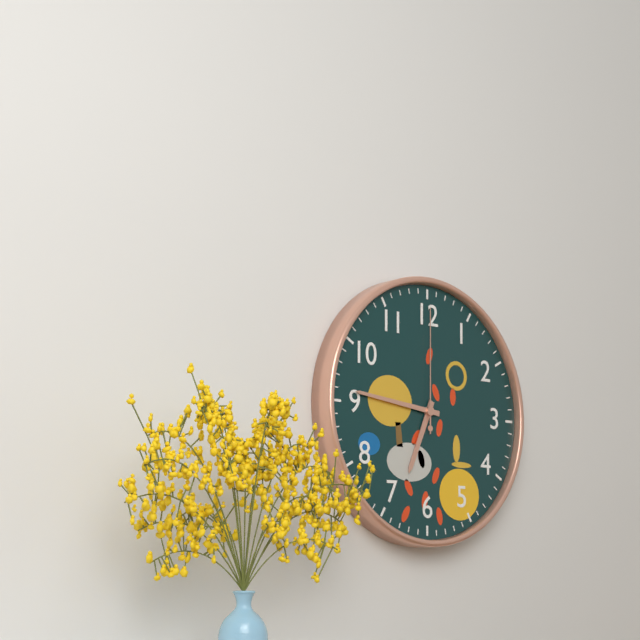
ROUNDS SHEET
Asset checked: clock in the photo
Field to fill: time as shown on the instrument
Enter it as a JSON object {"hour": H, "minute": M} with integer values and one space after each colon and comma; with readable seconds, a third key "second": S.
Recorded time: {"hour": 6, "minute": 46, "second": 0}
